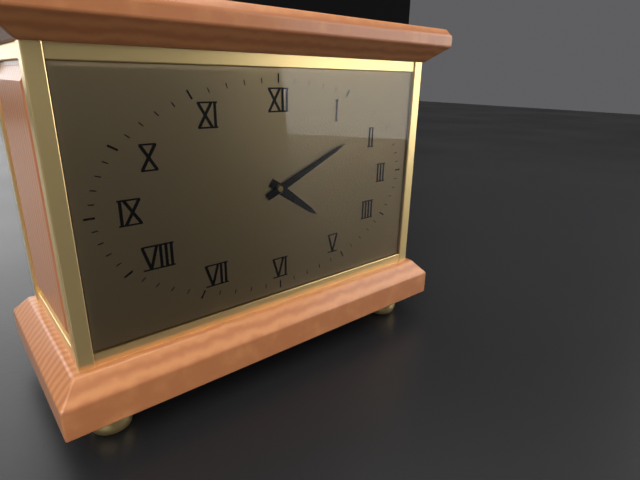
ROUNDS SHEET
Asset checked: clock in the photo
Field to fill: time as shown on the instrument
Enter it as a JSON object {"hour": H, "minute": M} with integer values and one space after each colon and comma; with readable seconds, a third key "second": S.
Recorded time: {"hour": 4, "minute": 11}
